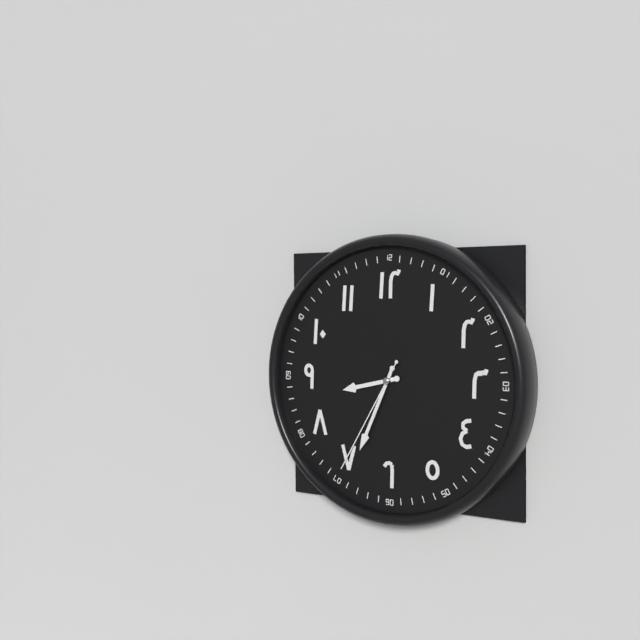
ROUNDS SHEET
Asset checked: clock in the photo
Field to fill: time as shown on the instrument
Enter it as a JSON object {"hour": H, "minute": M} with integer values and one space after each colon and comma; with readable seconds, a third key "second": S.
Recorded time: {"hour": 8, "minute": 34, "second": 35}
